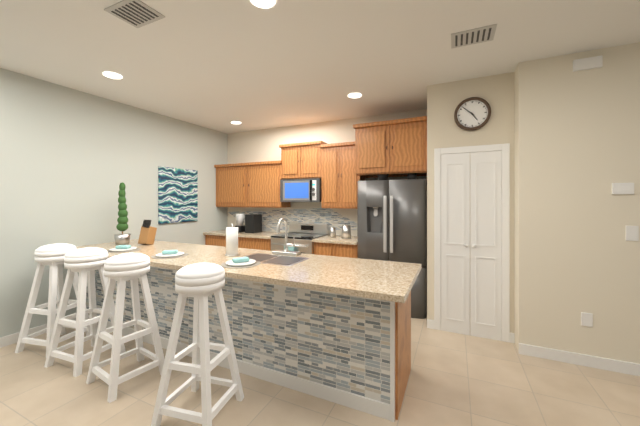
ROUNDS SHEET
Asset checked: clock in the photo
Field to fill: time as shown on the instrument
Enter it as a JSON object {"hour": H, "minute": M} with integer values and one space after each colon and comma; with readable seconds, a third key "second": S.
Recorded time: {"hour": 4, "minute": 52}
